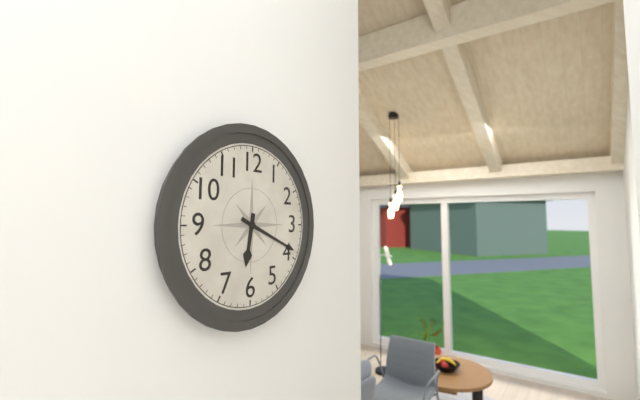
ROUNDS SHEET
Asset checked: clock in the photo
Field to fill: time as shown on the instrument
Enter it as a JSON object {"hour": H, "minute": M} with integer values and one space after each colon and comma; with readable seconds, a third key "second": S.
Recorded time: {"hour": 6, "minute": 19}
